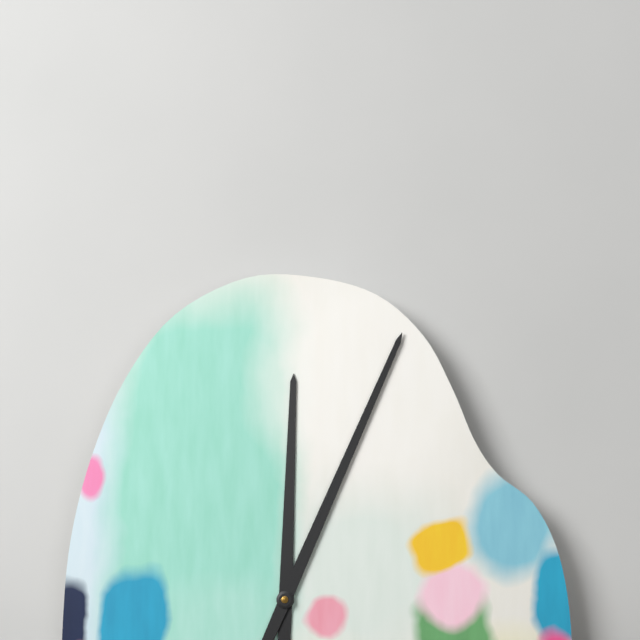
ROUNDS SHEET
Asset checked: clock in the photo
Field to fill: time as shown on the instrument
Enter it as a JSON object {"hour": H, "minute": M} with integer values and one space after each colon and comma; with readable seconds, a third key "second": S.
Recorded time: {"hour": 12, "minute": 4}
